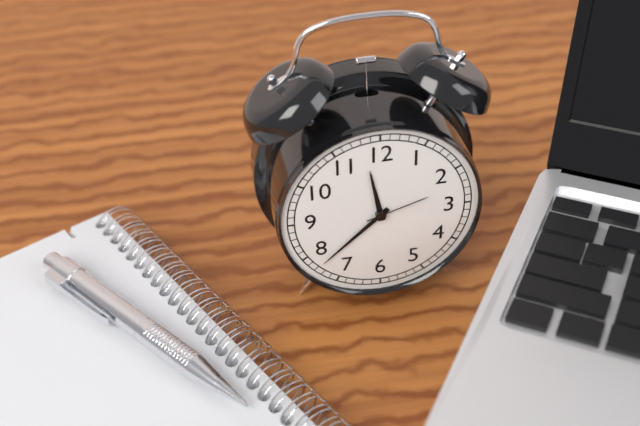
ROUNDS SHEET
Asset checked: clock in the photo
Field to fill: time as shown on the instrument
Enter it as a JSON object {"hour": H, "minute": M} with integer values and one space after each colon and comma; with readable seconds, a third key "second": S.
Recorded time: {"hour": 11, "minute": 38, "second": 12}
